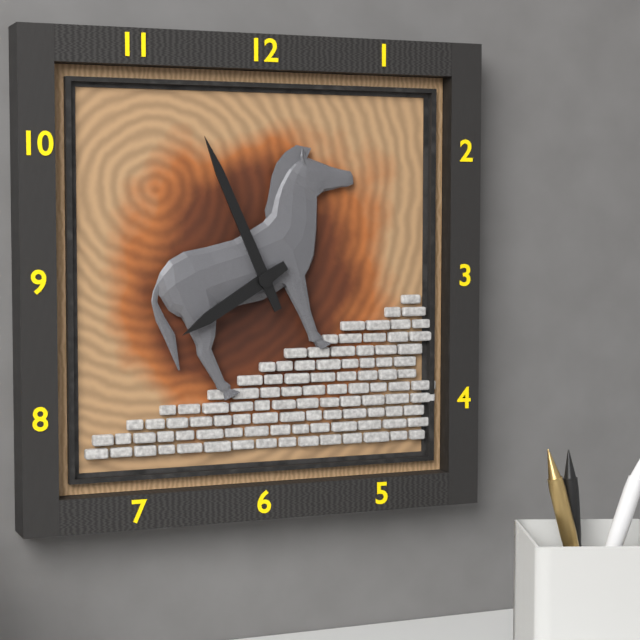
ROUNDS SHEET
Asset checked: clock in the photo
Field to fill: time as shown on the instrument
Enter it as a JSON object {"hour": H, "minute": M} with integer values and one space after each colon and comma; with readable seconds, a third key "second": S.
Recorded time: {"hour": 7, "minute": 56}
